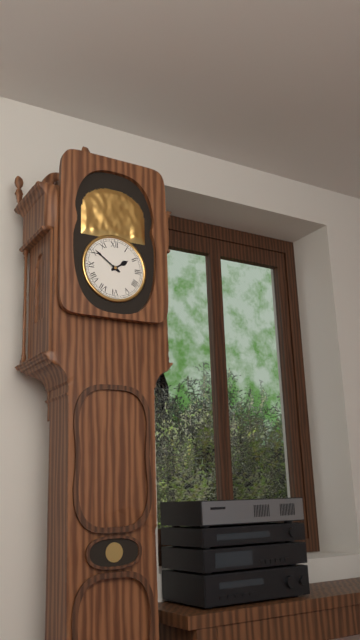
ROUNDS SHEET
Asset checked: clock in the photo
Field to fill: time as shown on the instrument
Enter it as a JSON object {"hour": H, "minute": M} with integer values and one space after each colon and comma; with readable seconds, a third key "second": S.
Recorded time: {"hour": 1, "minute": 51}
